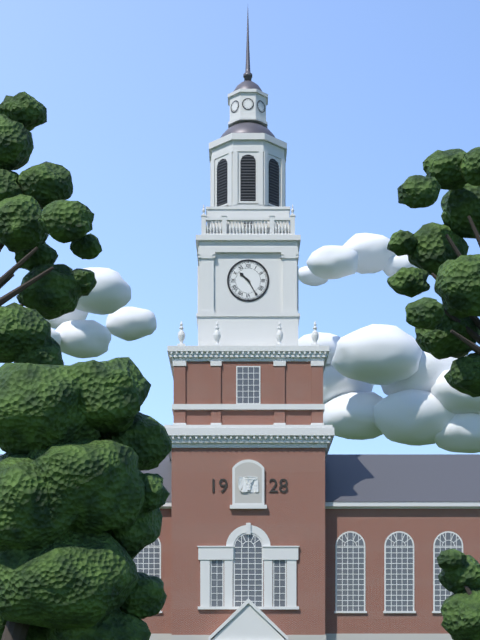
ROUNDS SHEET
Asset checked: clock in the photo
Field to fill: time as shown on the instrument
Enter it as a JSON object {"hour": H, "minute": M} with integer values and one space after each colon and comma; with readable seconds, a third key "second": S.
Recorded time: {"hour": 10, "minute": 25}
